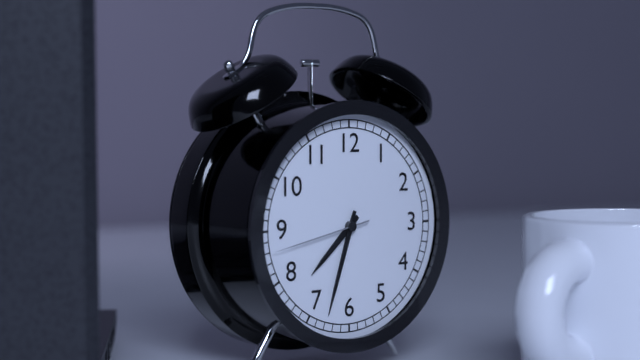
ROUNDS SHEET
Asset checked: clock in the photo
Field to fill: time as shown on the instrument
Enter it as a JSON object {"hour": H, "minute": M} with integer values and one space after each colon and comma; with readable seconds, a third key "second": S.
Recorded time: {"hour": 7, "minute": 33, "second": 43}
